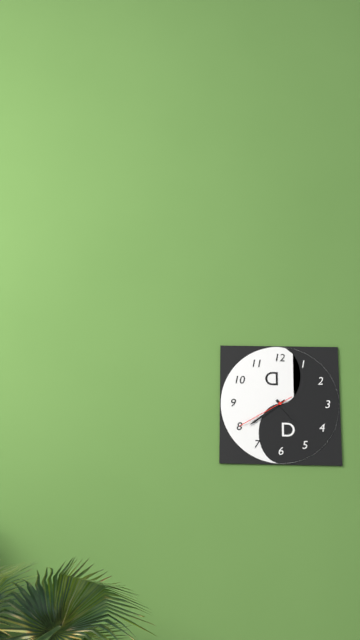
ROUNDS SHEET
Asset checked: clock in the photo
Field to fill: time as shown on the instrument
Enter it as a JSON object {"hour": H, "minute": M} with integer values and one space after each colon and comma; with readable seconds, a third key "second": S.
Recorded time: {"hour": 4, "minute": 39, "second": 40}
